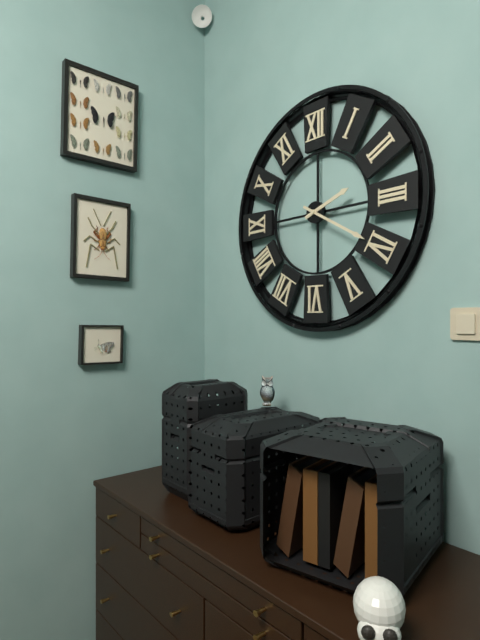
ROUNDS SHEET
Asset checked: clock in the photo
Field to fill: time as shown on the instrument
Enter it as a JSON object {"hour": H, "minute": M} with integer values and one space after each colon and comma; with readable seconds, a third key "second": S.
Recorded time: {"hour": 2, "minute": 20}
